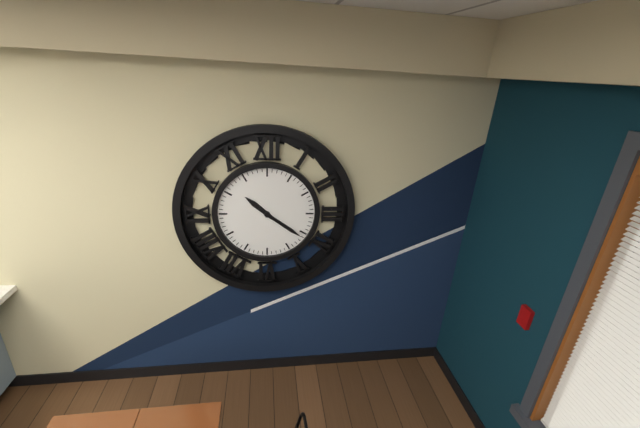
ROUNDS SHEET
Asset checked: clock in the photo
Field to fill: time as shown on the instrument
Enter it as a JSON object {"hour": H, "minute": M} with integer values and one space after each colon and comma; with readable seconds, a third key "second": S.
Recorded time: {"hour": 10, "minute": 21}
